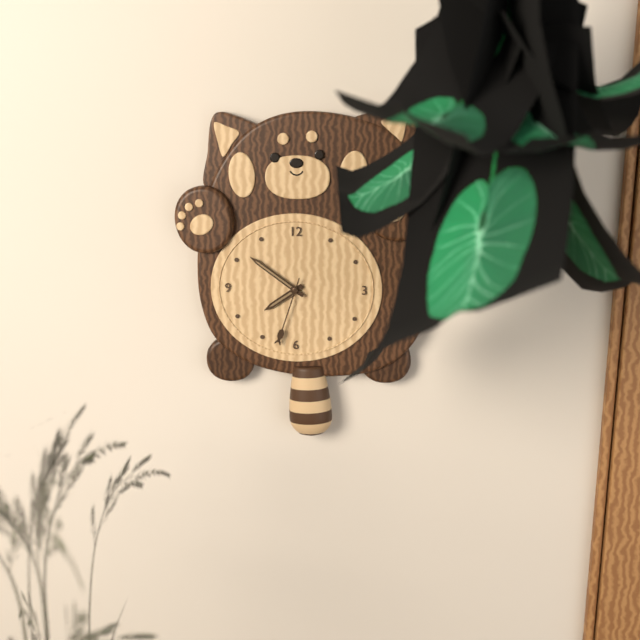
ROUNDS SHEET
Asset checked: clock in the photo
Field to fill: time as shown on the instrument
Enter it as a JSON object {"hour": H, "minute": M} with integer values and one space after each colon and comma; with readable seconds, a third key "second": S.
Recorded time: {"hour": 7, "minute": 51, "second": 33}
